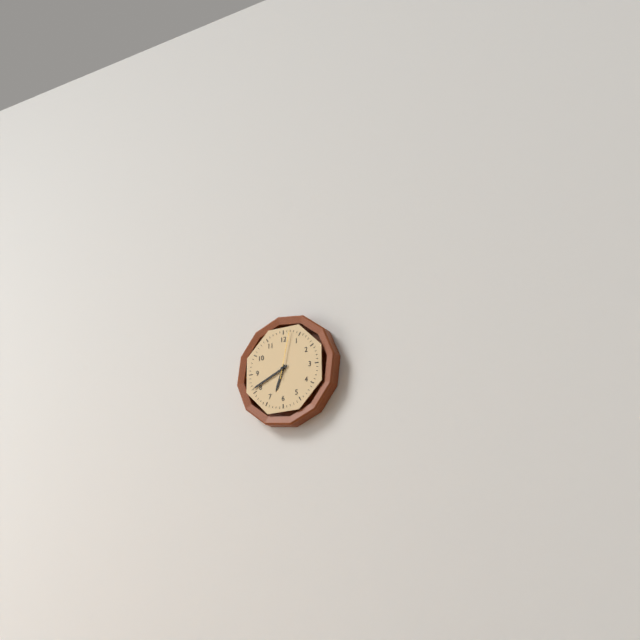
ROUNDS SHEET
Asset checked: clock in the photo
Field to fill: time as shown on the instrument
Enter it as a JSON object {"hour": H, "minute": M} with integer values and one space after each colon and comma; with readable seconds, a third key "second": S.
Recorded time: {"hour": 6, "minute": 41}
